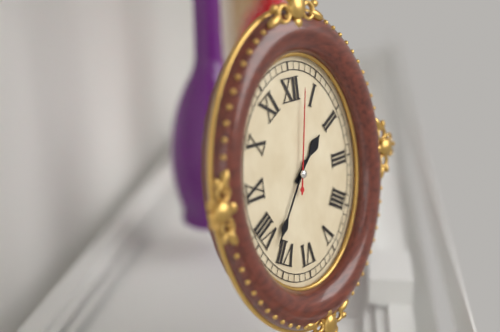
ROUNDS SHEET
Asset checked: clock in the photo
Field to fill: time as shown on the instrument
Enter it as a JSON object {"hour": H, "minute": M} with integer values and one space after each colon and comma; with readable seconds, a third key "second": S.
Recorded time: {"hour": 1, "minute": 36, "second": 2}
